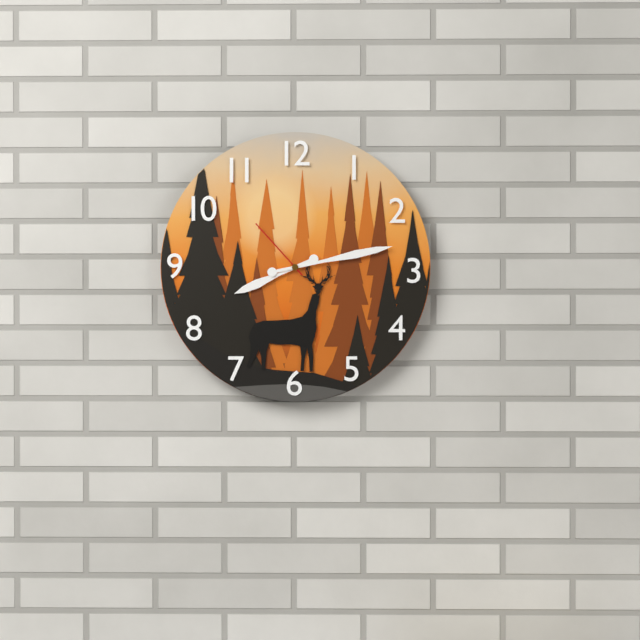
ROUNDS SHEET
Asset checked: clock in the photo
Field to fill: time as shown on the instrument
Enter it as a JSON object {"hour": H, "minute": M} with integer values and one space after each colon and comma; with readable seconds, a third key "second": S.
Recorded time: {"hour": 8, "minute": 13, "second": 53}
